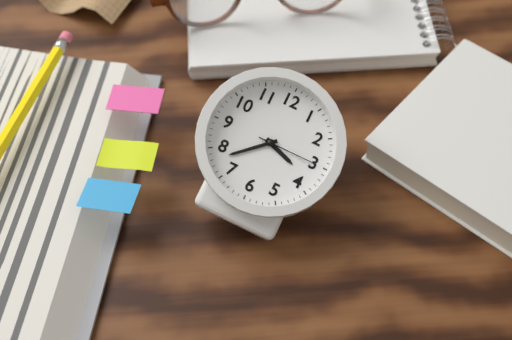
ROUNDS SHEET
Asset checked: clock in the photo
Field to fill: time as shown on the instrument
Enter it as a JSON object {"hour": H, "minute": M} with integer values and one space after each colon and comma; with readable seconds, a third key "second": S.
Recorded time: {"hour": 3, "minute": 38, "second": 15}
